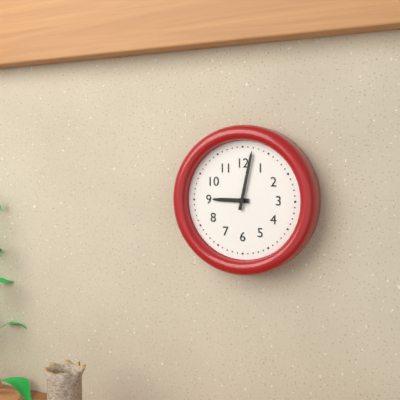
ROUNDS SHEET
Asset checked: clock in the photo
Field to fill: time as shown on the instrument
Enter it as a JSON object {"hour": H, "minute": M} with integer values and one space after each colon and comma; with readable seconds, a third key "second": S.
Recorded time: {"hour": 9, "minute": 2}
